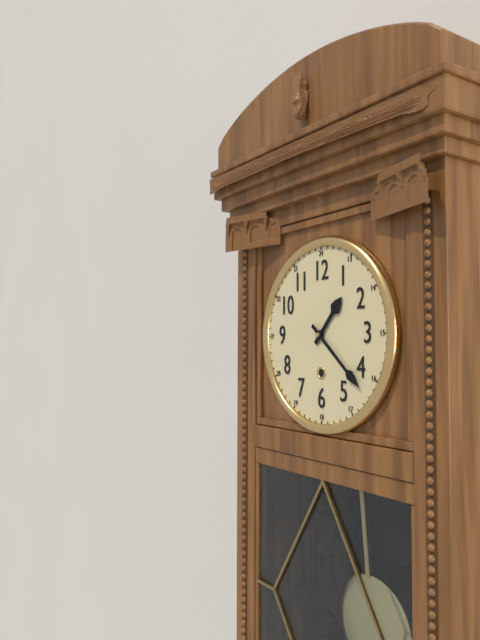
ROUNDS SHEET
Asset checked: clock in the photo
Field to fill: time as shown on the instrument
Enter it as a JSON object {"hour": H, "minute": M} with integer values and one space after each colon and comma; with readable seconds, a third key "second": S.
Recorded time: {"hour": 1, "minute": 22}
